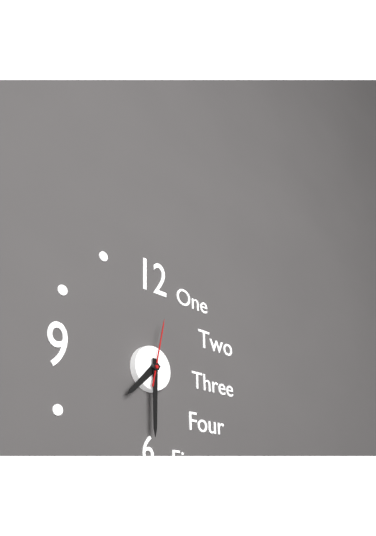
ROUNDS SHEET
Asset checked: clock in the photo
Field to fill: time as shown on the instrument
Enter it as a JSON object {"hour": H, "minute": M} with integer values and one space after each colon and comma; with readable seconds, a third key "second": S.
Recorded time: {"hour": 7, "minute": 30, "second": 2}
